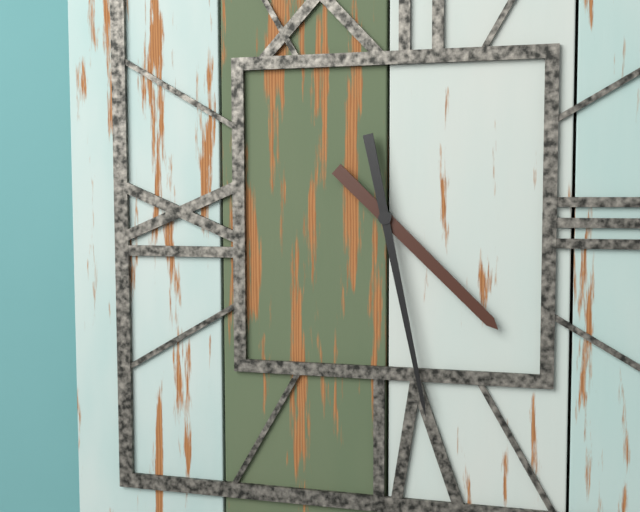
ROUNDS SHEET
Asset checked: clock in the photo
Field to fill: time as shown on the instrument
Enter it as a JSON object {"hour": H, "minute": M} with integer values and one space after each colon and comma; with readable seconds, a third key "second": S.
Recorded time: {"hour": 4, "minute": 28}
